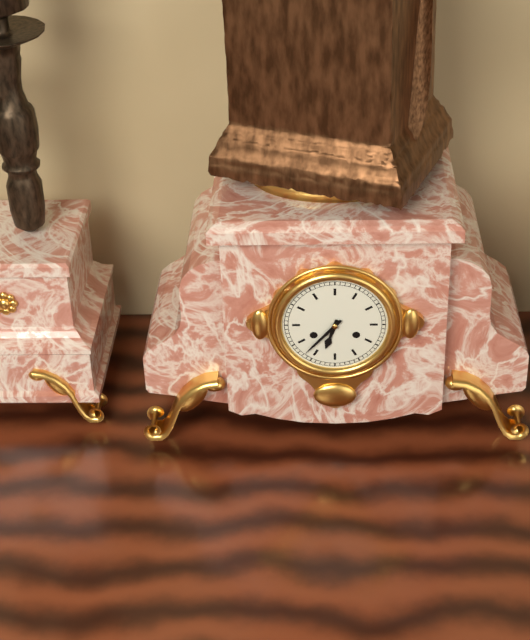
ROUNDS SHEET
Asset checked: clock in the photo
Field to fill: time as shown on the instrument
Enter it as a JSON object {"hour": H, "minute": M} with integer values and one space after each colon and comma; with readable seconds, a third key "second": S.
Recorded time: {"hour": 6, "minute": 37}
